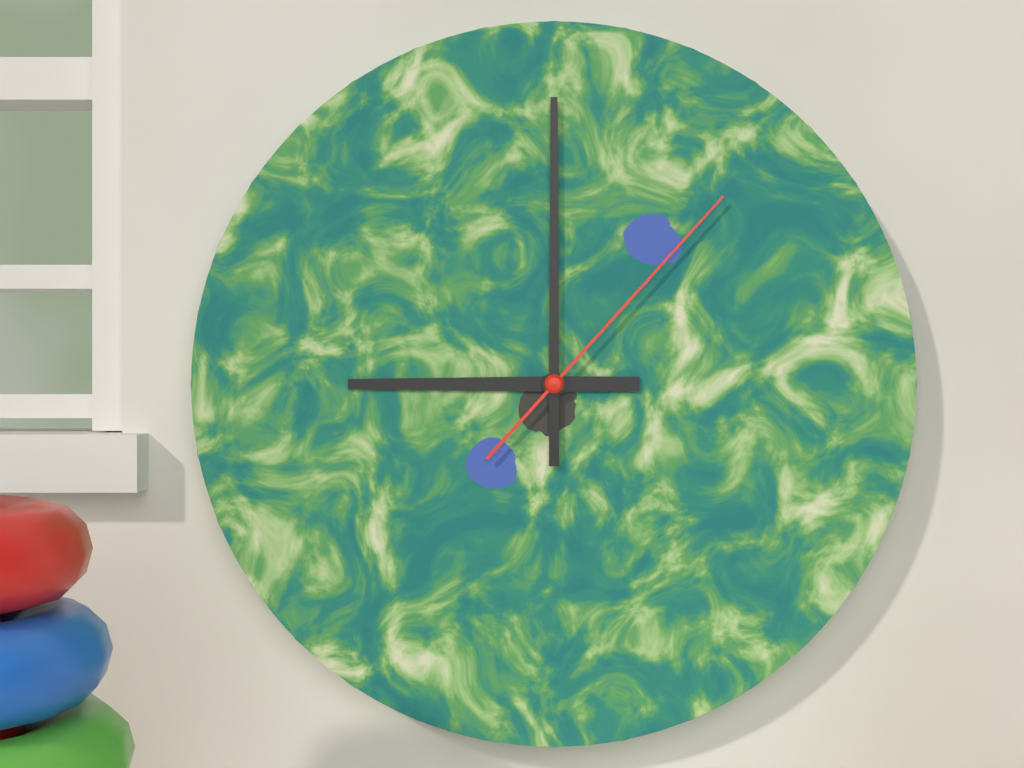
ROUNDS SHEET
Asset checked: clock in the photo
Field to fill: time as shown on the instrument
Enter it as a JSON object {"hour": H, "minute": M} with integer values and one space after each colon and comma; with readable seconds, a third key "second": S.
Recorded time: {"hour": 9, "minute": 0, "second": 7}
